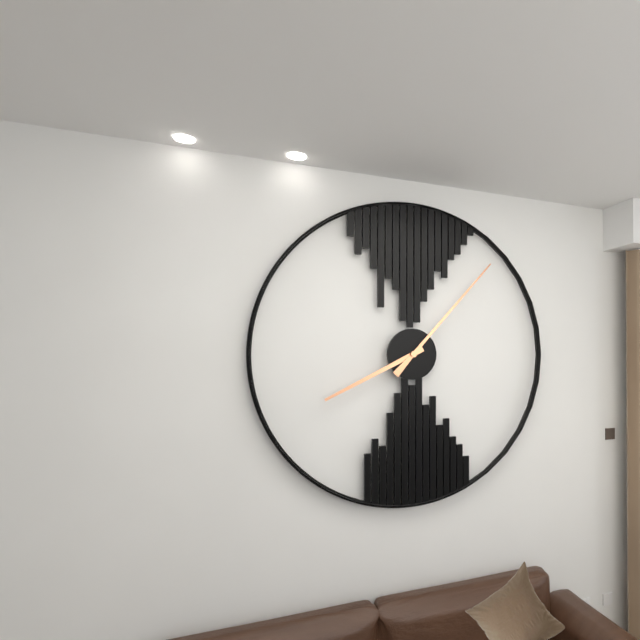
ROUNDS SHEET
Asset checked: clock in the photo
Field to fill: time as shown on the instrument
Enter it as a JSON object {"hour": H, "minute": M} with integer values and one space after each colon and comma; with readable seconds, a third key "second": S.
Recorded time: {"hour": 8, "minute": 7}
